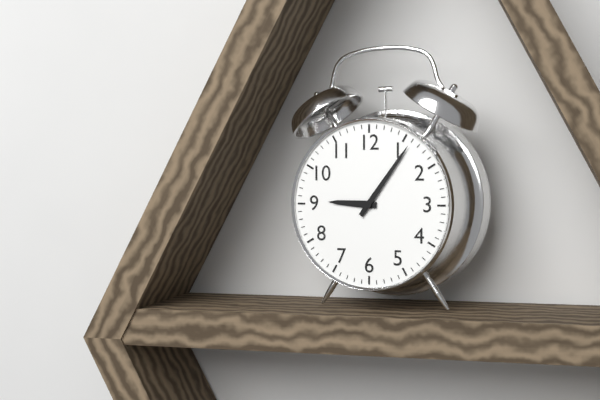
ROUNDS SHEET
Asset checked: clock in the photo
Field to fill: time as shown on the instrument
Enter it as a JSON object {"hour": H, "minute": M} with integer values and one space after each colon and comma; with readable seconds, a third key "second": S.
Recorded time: {"hour": 9, "minute": 6}
